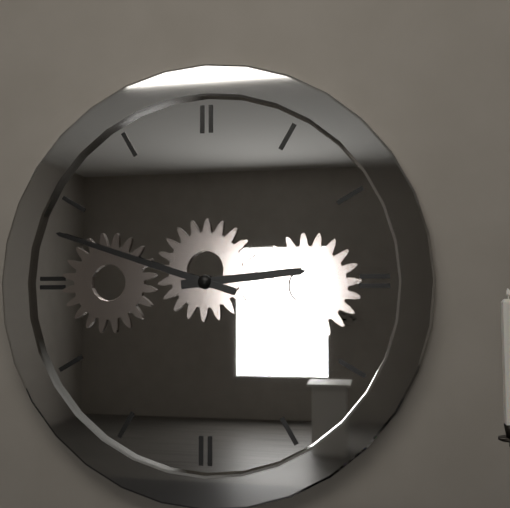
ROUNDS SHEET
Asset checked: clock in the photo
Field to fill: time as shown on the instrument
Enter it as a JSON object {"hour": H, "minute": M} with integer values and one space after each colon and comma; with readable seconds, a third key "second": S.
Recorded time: {"hour": 2, "minute": 48}
